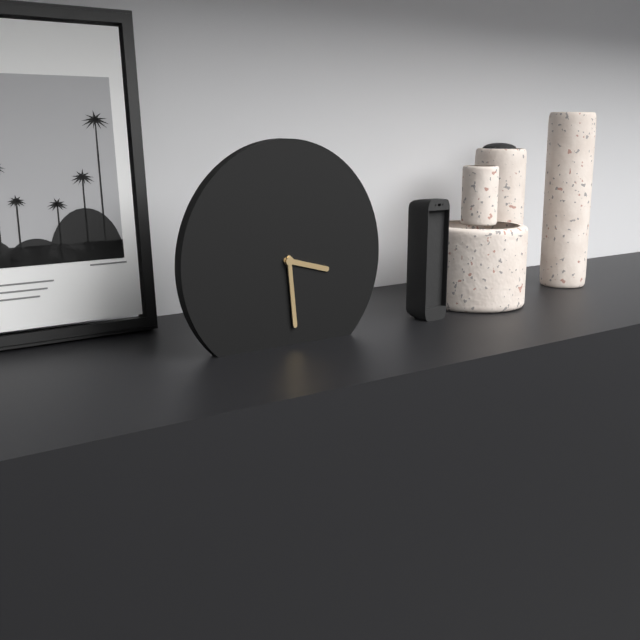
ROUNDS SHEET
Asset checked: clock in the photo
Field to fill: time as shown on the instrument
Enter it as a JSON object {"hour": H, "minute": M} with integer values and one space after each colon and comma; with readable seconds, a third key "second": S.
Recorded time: {"hour": 3, "minute": 29}
